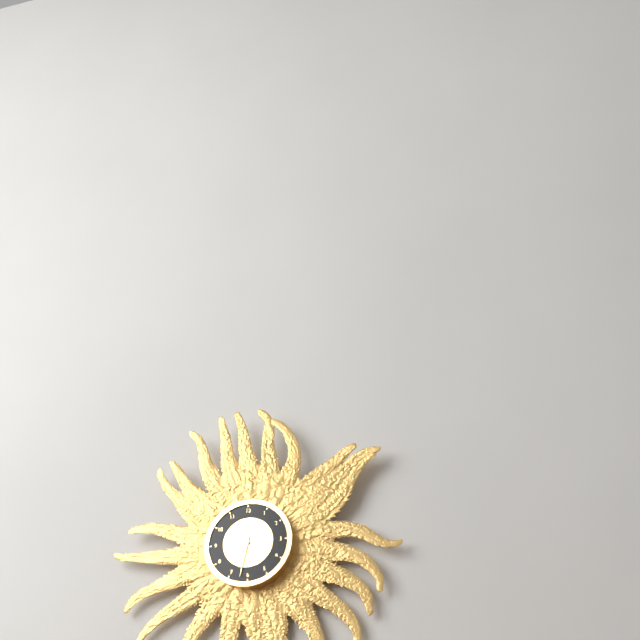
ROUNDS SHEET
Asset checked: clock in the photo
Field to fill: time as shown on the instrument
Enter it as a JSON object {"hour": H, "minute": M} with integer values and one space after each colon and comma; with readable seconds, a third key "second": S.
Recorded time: {"hour": 11, "minute": 32}
